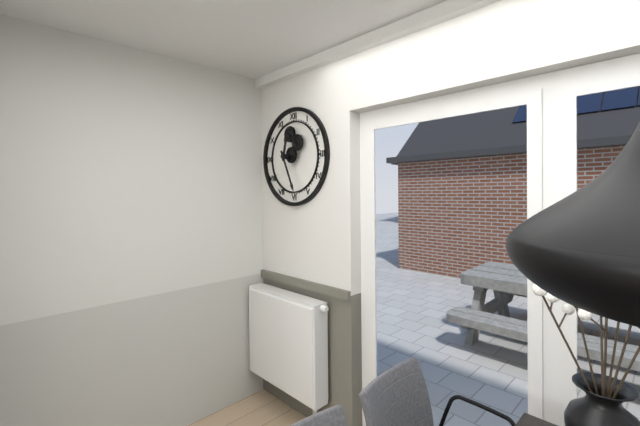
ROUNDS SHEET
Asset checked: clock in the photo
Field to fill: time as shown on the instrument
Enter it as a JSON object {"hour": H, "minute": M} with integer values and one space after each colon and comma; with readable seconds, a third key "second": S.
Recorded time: {"hour": 12, "minute": 26}
